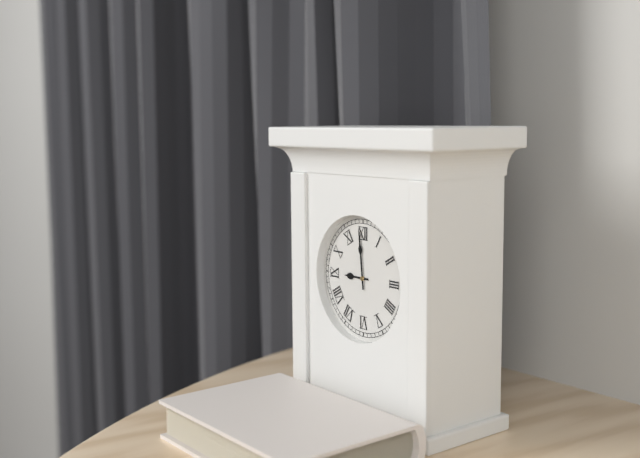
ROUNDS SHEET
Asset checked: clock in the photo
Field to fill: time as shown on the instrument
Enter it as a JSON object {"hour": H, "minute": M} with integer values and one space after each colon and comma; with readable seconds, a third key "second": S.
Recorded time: {"hour": 8, "minute": 59}
